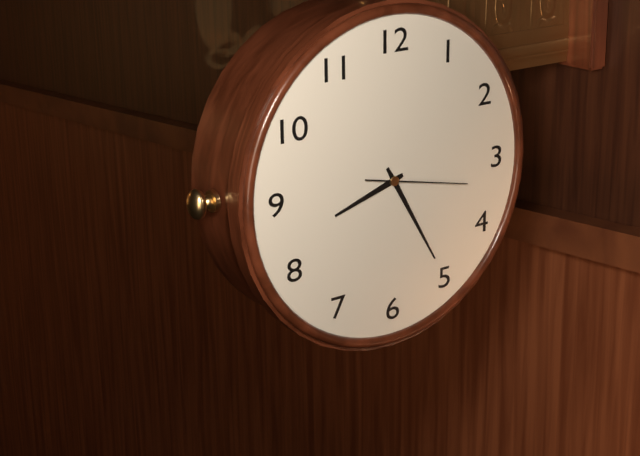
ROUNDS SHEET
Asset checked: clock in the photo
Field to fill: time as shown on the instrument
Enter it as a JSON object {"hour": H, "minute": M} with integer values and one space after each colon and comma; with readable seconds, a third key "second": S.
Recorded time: {"hour": 8, "minute": 25, "second": 17}
